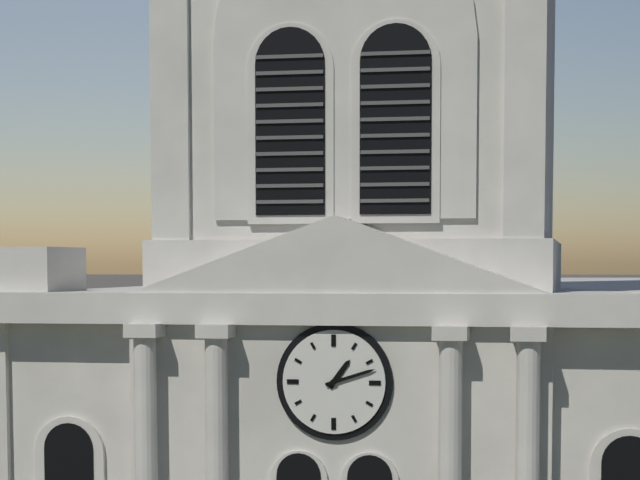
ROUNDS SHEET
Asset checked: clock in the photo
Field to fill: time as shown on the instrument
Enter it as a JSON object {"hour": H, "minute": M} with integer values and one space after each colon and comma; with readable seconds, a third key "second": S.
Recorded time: {"hour": 1, "minute": 12}
